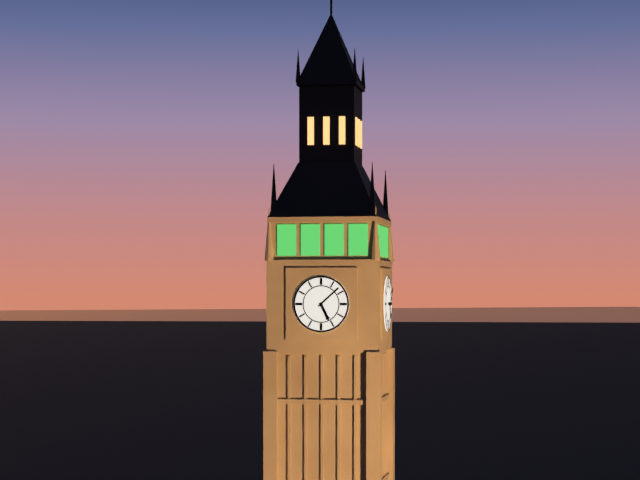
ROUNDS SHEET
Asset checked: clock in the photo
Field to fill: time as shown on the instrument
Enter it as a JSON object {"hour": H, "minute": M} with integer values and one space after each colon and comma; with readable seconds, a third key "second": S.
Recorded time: {"hour": 5, "minute": 8}
